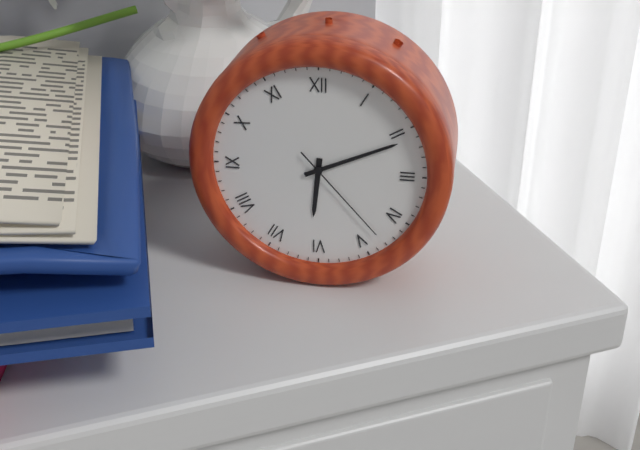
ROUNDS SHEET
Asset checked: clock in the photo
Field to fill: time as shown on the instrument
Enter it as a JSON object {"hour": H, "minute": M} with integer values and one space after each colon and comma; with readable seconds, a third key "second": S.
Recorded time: {"hour": 6, "minute": 11, "second": 23}
